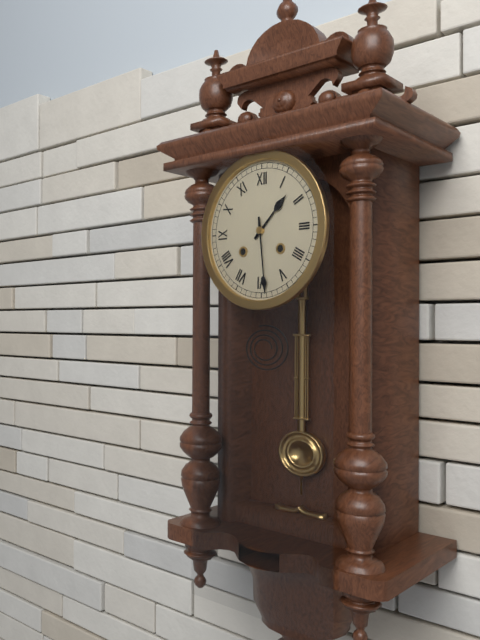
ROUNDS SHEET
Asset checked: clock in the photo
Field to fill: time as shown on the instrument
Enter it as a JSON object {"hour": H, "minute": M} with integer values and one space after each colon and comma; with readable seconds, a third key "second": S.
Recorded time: {"hour": 1, "minute": 29}
